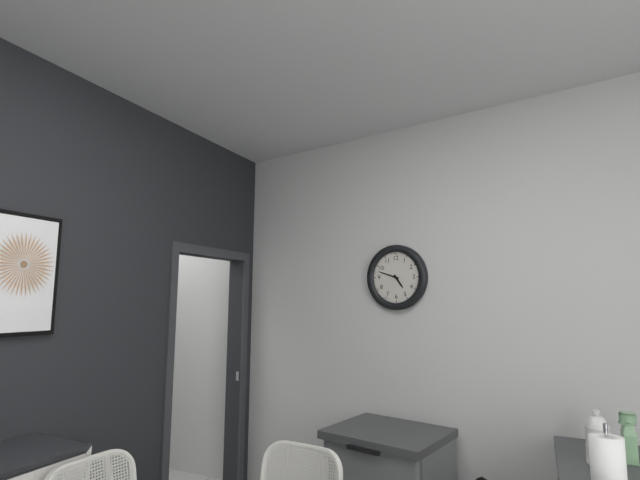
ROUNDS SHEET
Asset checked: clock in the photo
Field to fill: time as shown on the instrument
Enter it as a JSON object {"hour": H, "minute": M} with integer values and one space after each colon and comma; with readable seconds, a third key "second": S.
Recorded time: {"hour": 4, "minute": 48}
